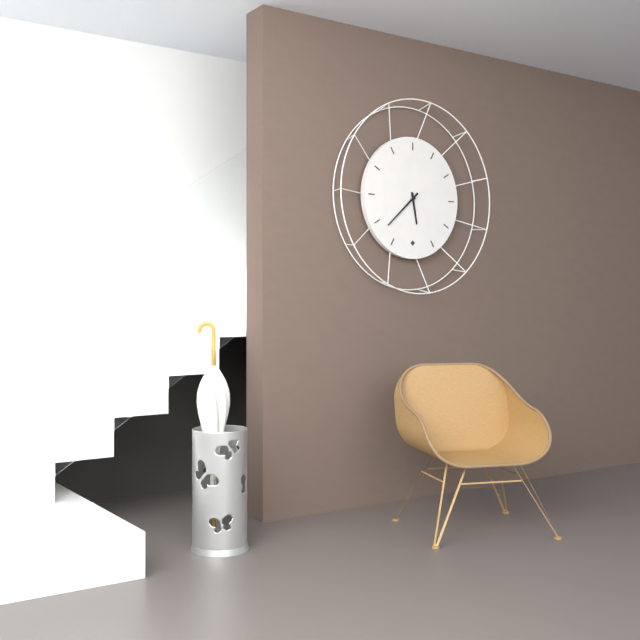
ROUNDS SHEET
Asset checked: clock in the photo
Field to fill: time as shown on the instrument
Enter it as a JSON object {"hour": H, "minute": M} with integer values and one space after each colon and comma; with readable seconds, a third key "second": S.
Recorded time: {"hour": 5, "minute": 38}
